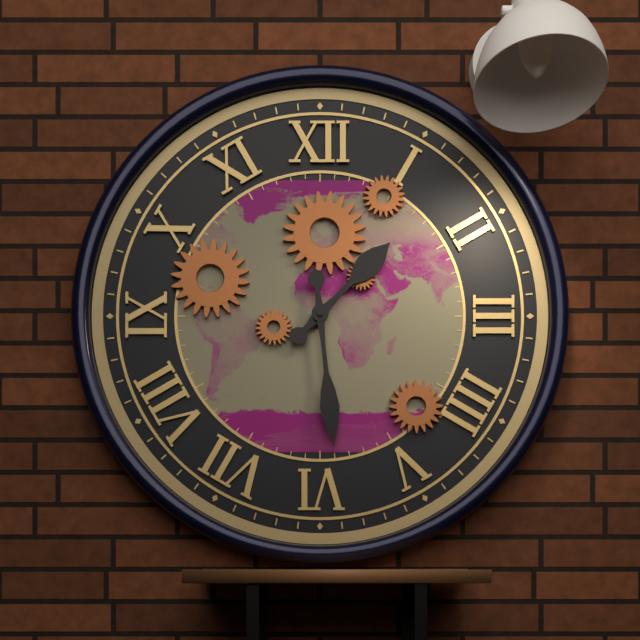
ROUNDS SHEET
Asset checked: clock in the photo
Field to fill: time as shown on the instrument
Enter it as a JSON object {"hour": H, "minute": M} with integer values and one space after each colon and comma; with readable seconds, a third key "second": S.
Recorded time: {"hour": 1, "minute": 29}
